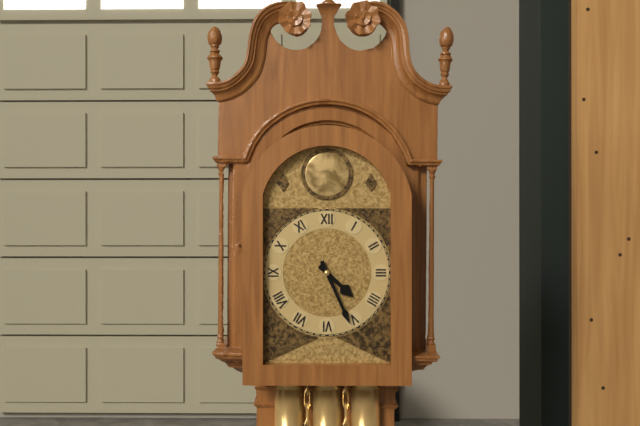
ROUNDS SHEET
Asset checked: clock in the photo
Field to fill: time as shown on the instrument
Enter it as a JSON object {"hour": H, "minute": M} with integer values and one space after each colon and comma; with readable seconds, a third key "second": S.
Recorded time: {"hour": 4, "minute": 26}
